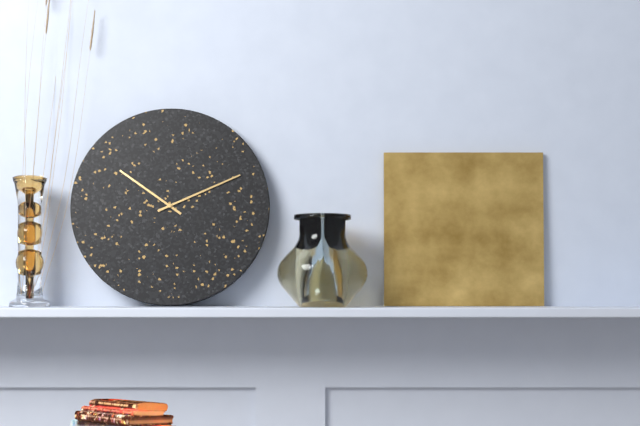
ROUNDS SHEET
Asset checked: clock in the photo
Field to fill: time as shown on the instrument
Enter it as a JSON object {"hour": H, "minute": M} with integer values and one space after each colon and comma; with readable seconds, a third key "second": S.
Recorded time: {"hour": 10, "minute": 11}
